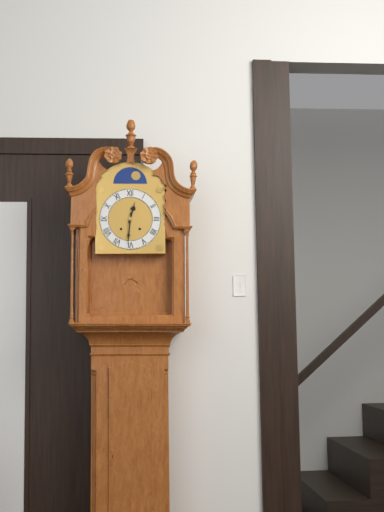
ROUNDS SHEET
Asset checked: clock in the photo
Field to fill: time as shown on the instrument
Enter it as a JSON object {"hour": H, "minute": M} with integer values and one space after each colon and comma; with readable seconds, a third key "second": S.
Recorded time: {"hour": 12, "minute": 31}
